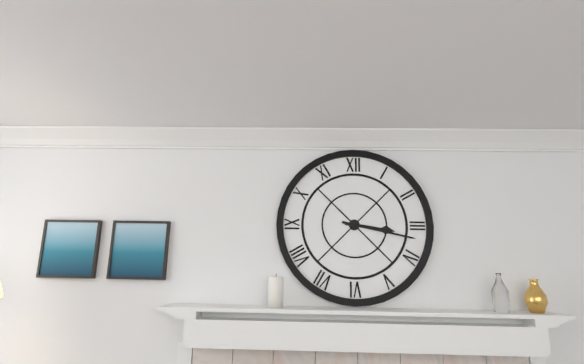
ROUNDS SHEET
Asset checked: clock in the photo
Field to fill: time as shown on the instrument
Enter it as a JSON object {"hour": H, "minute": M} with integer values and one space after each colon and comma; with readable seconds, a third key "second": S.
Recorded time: {"hour": 3, "minute": 17}
